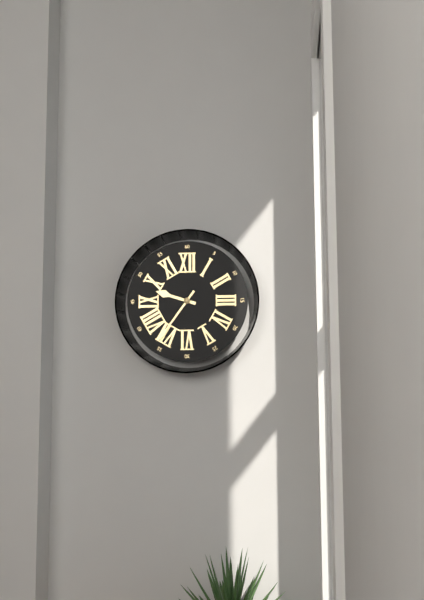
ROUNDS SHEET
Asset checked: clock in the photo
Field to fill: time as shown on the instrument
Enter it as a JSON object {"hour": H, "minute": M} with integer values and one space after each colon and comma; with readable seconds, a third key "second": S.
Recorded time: {"hour": 9, "minute": 36}
